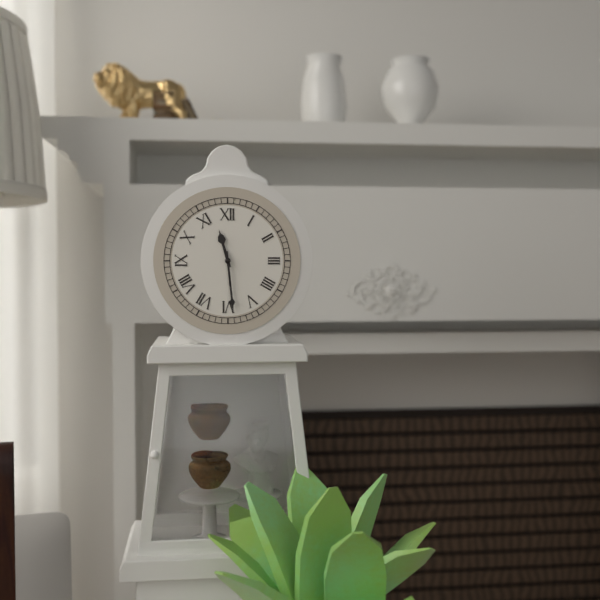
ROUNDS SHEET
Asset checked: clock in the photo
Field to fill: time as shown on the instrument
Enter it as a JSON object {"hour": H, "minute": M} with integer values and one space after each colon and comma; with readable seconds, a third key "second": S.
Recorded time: {"hour": 11, "minute": 29}
